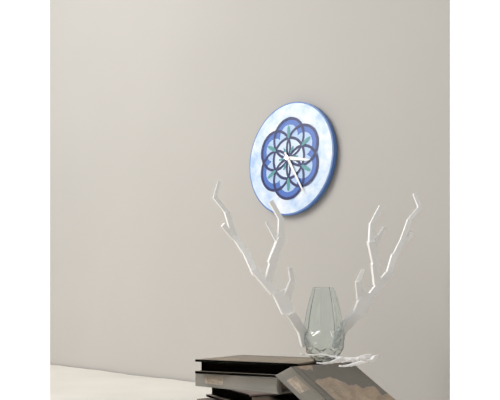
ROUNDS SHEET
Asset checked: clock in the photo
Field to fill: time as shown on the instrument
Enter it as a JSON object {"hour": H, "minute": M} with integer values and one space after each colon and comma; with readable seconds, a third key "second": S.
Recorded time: {"hour": 3, "minute": 25}
